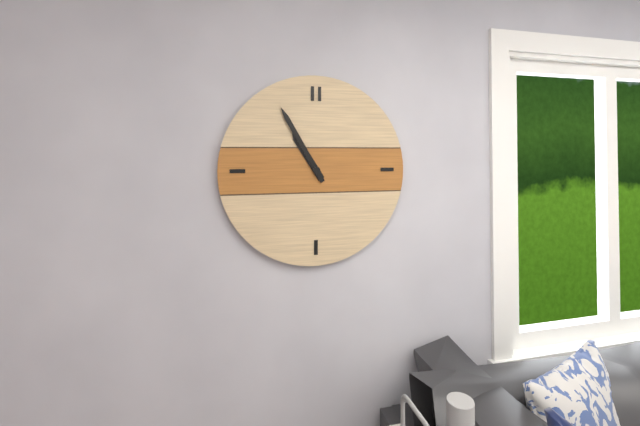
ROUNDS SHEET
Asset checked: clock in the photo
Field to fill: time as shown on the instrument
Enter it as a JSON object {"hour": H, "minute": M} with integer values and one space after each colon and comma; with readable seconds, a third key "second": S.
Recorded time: {"hour": 10, "minute": 55}
